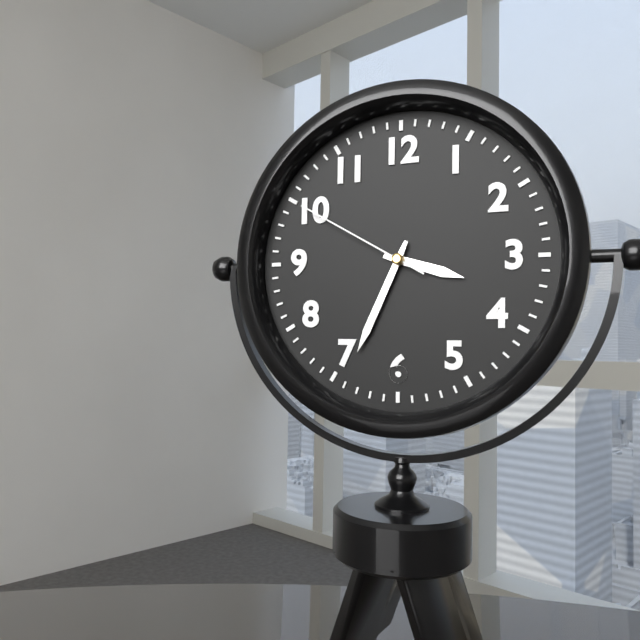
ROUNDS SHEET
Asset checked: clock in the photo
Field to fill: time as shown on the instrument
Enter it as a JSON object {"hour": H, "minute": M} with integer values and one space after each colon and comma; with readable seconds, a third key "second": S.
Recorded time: {"hour": 3, "minute": 34, "second": 50}
